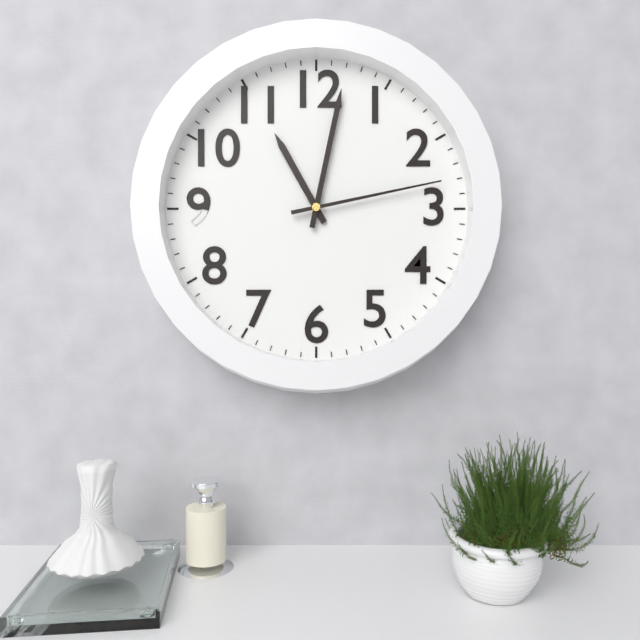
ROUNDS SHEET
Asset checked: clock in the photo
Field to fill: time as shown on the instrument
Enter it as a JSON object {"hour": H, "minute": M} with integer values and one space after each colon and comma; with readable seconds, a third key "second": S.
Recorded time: {"hour": 11, "minute": 2, "second": 13}
